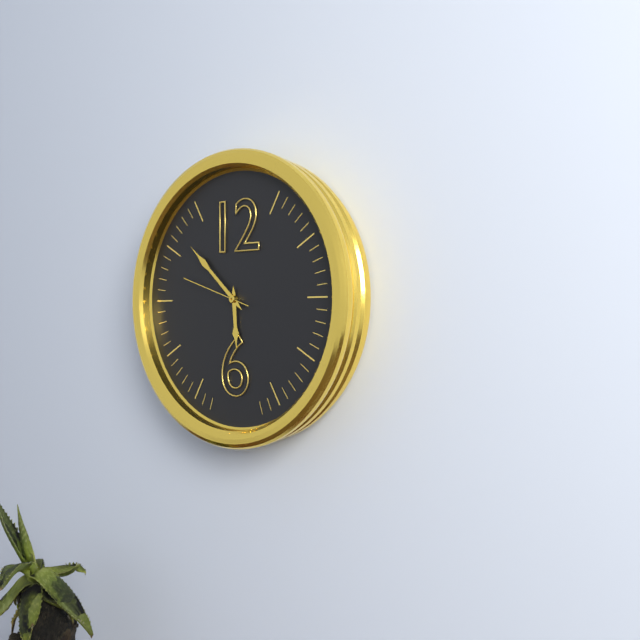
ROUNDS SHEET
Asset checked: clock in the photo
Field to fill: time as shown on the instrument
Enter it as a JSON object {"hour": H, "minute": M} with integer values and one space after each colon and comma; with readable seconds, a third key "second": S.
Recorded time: {"hour": 5, "minute": 52, "second": 48}
